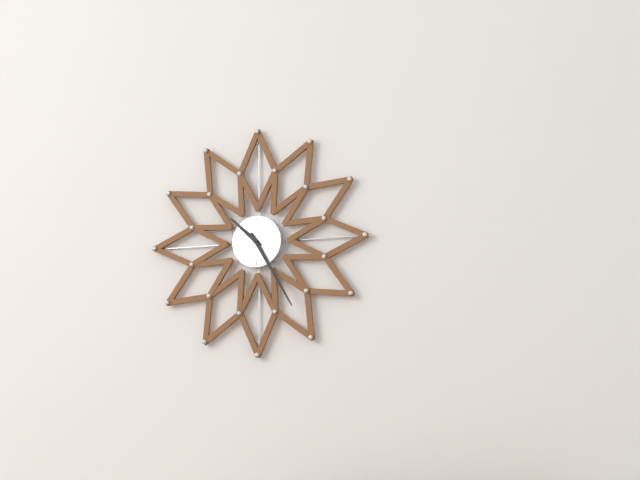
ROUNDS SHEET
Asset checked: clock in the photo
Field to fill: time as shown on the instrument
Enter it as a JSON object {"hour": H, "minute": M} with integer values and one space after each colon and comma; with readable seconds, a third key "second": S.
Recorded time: {"hour": 10, "minute": 25}
